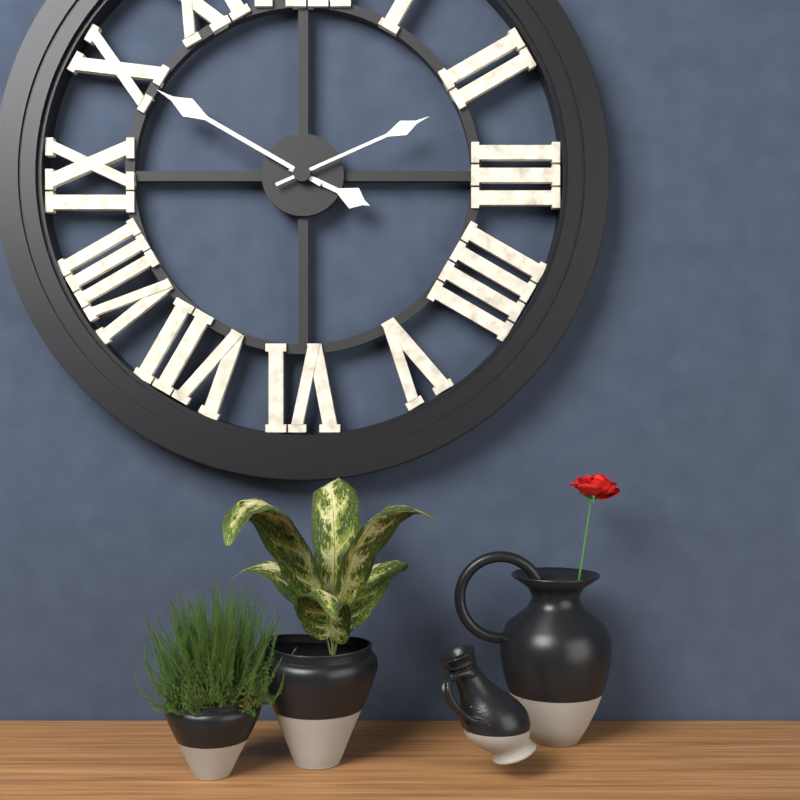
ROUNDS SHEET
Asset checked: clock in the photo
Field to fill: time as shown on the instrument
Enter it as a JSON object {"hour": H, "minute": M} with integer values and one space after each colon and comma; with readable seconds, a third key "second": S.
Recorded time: {"hour": 3, "minute": 50, "second": 11}
